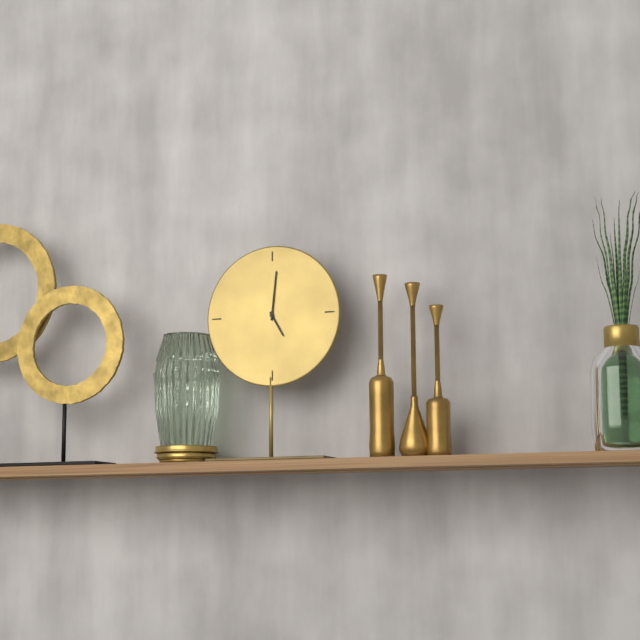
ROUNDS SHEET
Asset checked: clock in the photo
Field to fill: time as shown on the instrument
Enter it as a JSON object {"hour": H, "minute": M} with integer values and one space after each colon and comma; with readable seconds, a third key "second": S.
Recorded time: {"hour": 5, "minute": 1}
